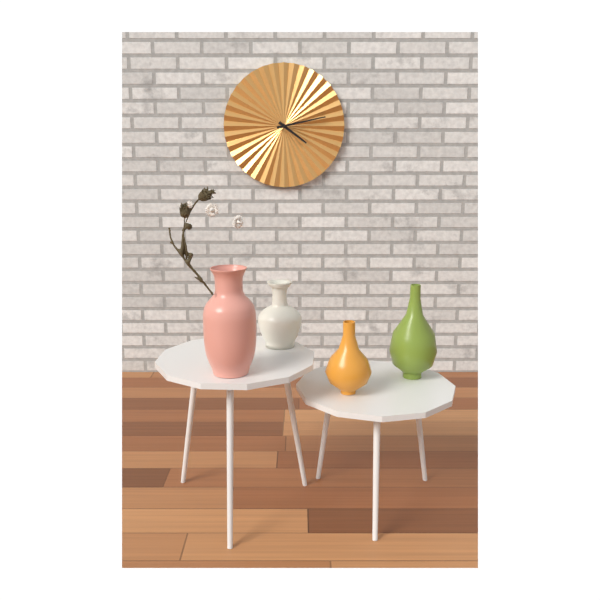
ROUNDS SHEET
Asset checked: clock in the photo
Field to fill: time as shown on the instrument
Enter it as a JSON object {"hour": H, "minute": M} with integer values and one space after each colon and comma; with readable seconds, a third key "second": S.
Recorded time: {"hour": 4, "minute": 13}
